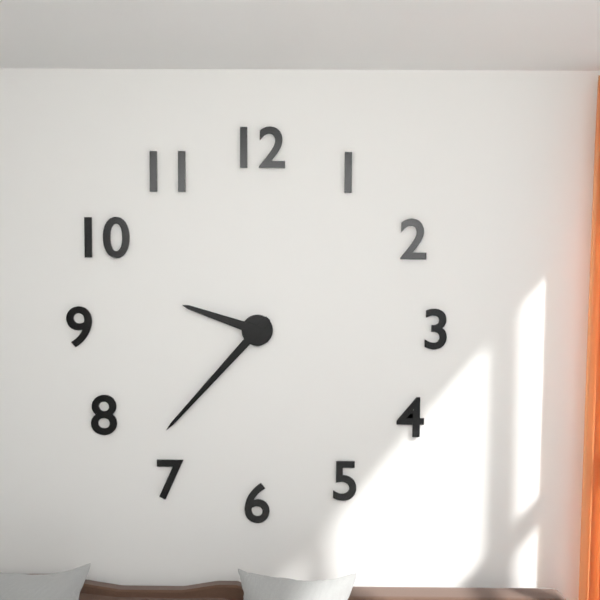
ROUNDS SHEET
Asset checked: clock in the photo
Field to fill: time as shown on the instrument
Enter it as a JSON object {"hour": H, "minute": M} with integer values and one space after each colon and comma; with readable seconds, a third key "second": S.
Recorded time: {"hour": 9, "minute": 37}
